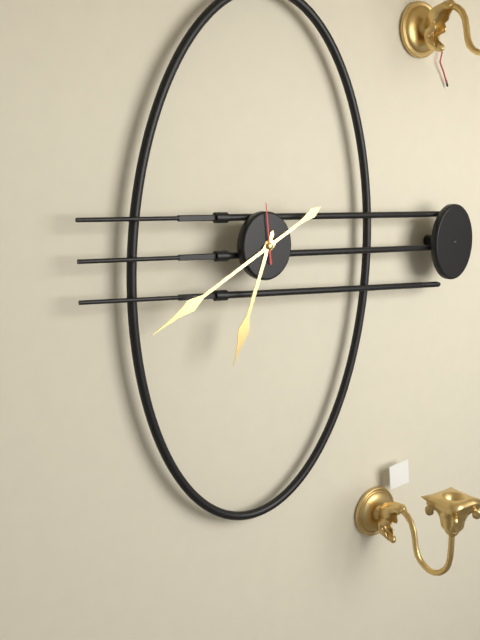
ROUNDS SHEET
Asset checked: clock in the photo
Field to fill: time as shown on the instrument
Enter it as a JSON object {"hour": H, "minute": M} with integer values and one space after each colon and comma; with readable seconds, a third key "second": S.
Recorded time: {"hour": 6, "minute": 40, "second": 59}
